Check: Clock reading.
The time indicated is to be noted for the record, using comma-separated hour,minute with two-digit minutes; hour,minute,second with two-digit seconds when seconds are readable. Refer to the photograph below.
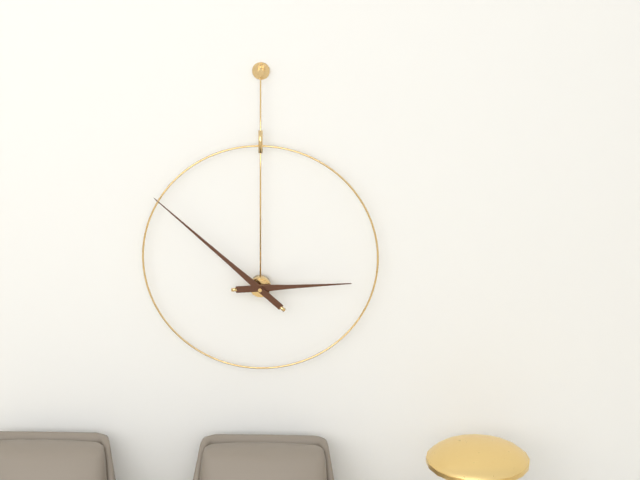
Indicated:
2,52
